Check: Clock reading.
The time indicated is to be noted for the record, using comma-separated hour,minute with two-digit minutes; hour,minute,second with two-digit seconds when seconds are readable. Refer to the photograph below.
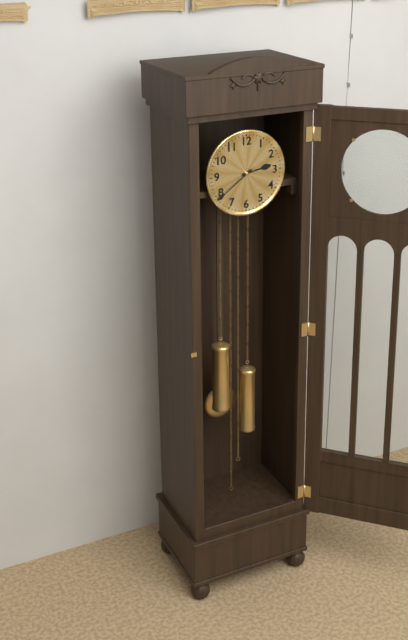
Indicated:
2,39
